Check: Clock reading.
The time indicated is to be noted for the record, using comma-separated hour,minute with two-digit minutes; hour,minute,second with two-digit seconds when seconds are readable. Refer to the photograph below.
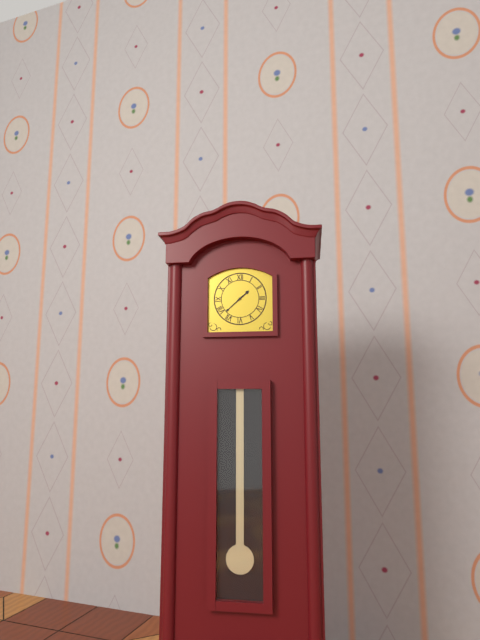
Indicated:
1,38
